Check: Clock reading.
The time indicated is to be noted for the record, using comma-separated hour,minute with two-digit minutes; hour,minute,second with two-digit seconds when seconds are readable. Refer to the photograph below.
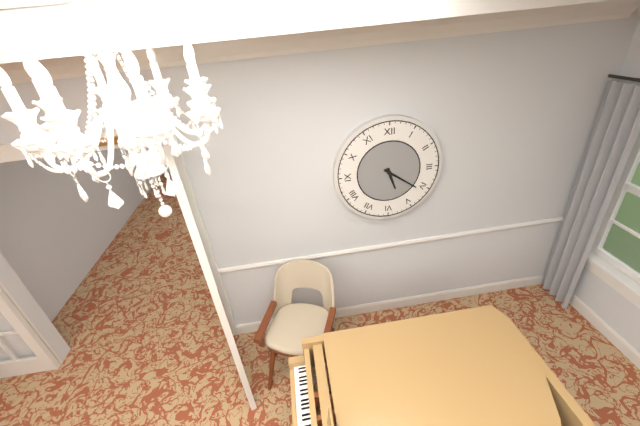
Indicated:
5,21
